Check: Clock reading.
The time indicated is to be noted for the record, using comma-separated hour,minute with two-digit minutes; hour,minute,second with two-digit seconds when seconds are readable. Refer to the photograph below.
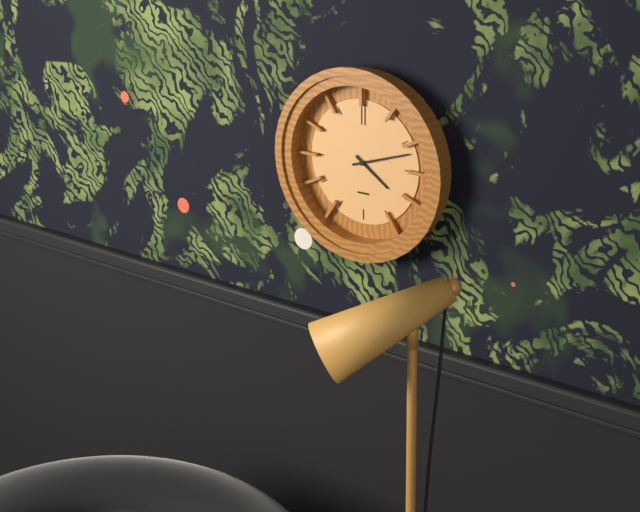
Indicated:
4,12
